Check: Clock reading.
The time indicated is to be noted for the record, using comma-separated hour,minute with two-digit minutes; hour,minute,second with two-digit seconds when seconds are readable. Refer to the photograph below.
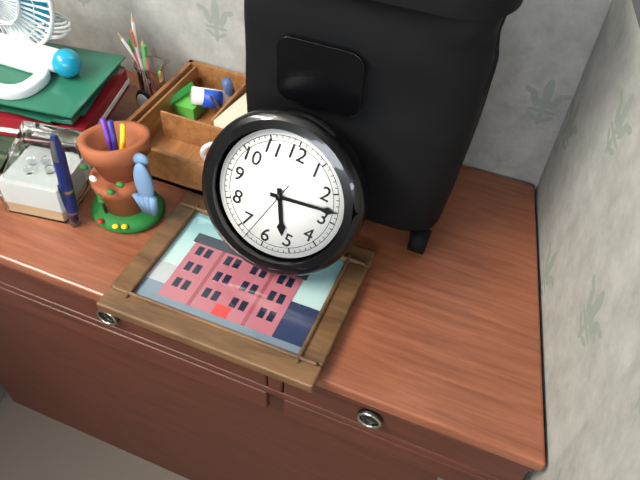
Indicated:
5,13,33
